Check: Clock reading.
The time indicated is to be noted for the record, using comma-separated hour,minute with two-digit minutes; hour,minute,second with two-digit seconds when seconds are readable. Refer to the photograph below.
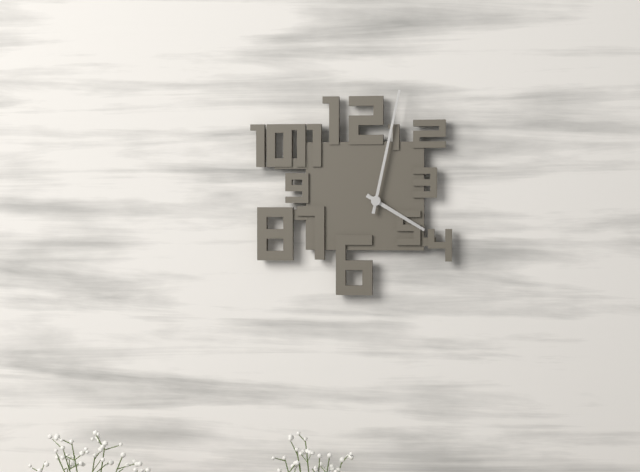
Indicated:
4,02
